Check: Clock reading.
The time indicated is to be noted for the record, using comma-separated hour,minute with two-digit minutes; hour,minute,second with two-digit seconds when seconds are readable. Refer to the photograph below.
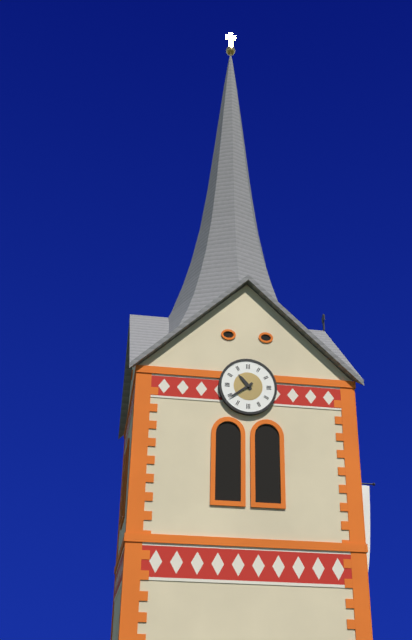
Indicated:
10,39
